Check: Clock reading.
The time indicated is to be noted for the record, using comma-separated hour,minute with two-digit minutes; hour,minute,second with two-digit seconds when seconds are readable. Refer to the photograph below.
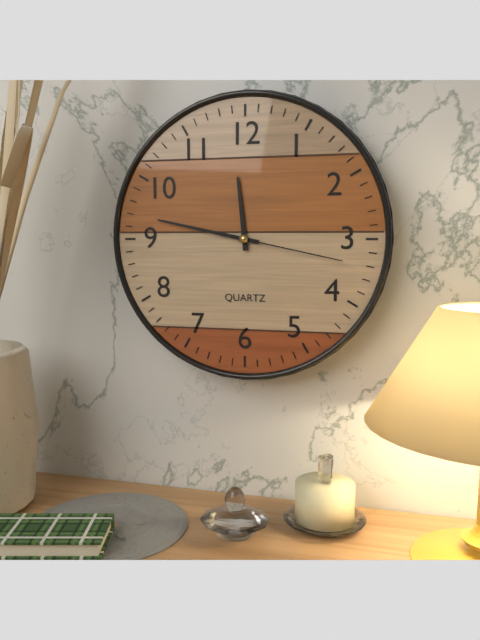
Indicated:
11,47,17
